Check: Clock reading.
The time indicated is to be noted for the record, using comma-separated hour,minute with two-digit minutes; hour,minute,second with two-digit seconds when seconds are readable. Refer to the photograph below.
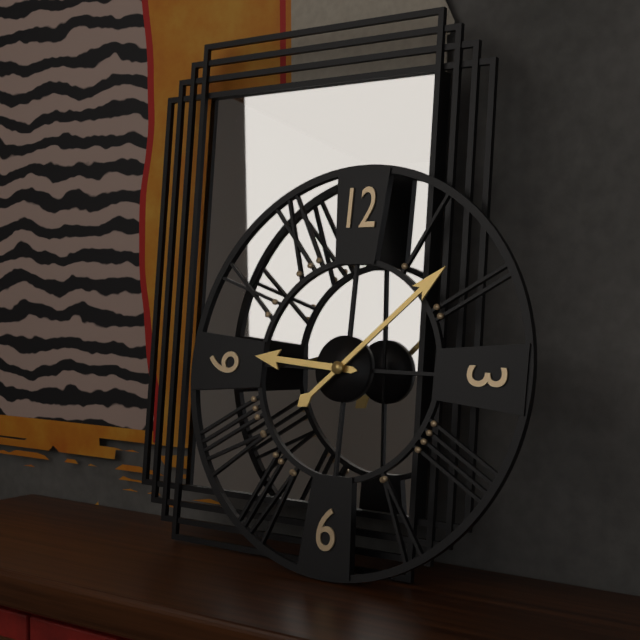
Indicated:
9,08
